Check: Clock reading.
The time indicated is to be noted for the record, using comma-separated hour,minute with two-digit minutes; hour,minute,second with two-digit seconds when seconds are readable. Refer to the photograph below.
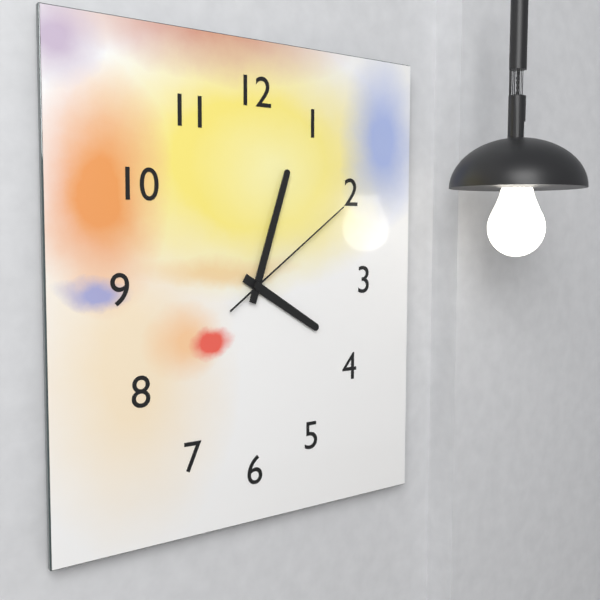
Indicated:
4,03,09
